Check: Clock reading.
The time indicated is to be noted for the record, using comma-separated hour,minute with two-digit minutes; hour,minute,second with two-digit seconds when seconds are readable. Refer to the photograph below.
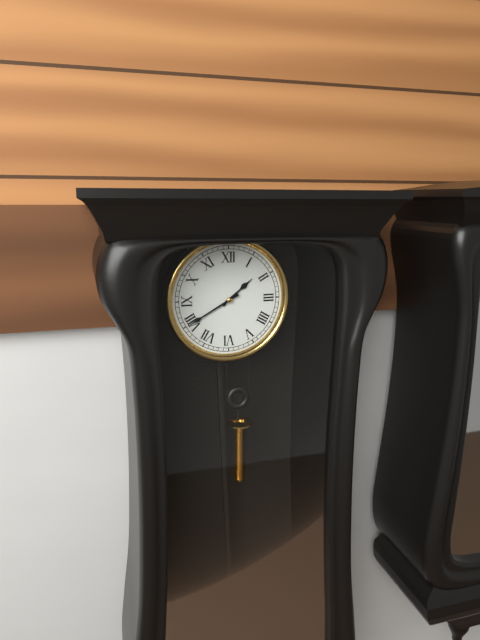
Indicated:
1,40
